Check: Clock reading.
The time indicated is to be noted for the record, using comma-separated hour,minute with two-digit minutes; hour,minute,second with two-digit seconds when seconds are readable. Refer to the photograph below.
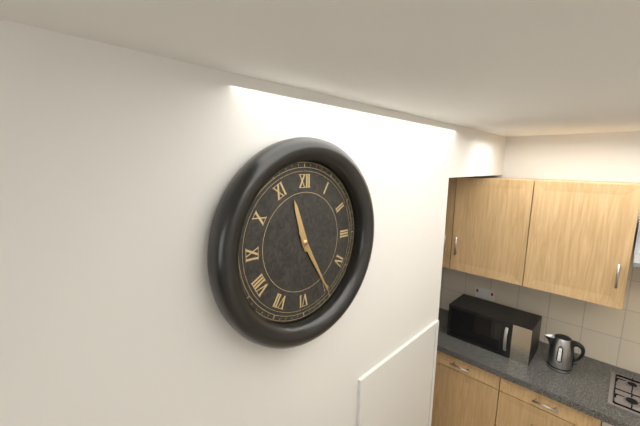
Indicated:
11,25
